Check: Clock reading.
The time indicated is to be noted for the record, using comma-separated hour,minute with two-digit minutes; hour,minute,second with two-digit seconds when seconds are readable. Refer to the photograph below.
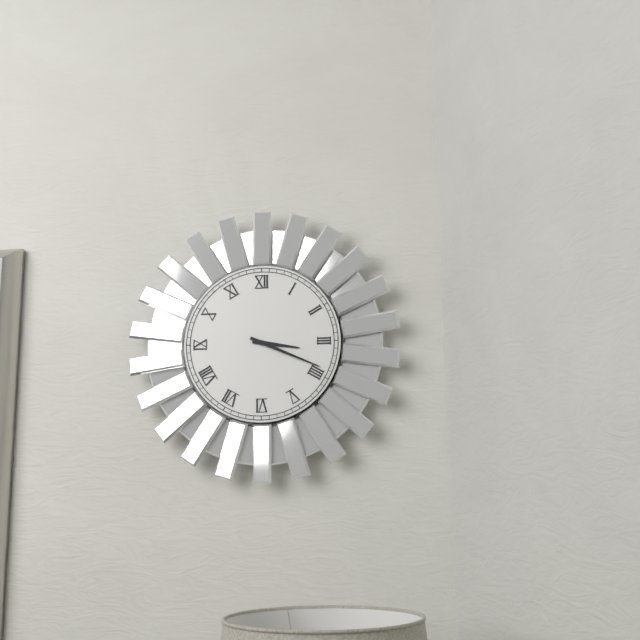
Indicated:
3,19
